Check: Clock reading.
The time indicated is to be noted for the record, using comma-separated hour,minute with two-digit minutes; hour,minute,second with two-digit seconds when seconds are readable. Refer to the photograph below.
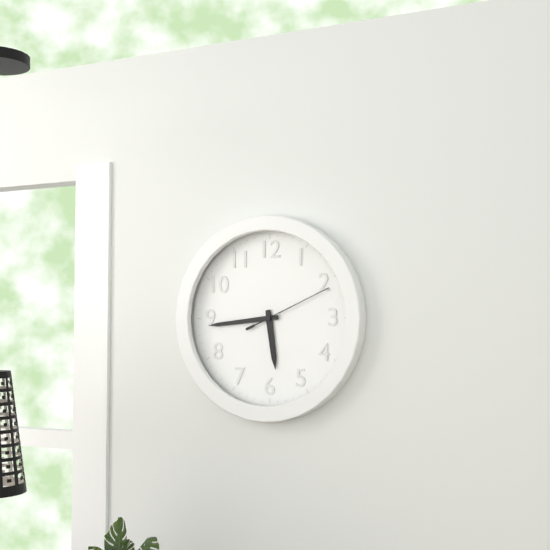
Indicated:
5,44,11
